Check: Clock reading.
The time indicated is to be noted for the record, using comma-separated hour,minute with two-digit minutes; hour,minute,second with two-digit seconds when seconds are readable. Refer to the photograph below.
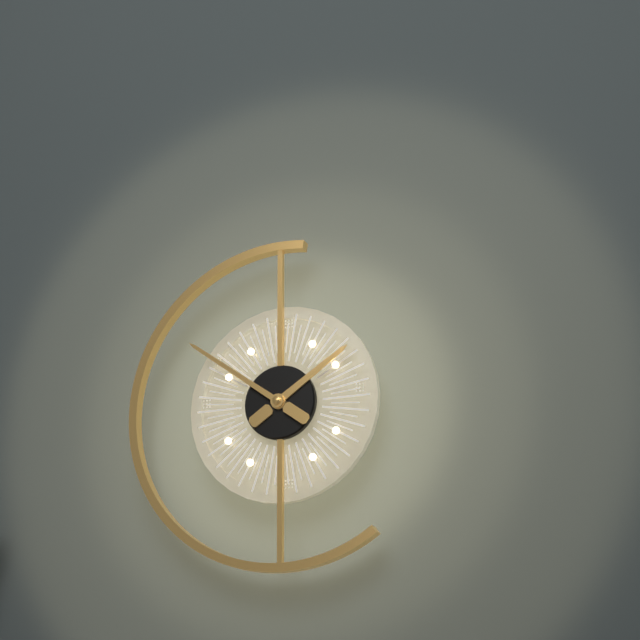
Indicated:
1,51
